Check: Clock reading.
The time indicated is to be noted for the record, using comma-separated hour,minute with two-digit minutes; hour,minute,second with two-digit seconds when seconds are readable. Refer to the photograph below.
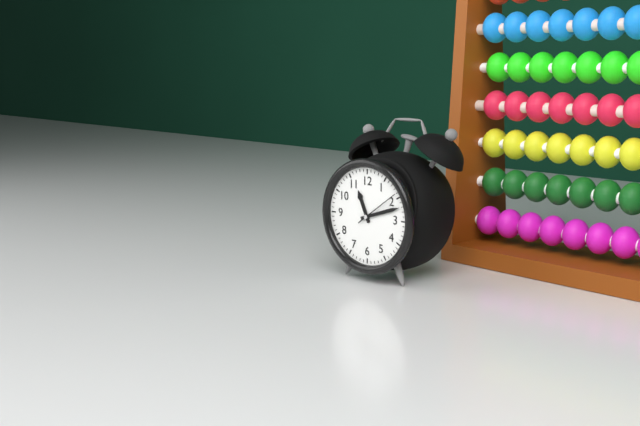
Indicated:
11,12
